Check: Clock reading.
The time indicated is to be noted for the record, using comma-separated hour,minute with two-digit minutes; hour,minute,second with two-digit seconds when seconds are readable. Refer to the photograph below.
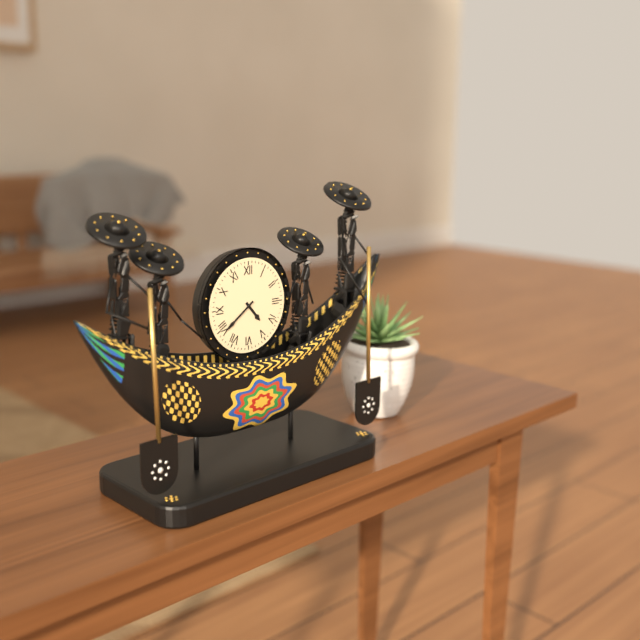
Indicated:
4,39
